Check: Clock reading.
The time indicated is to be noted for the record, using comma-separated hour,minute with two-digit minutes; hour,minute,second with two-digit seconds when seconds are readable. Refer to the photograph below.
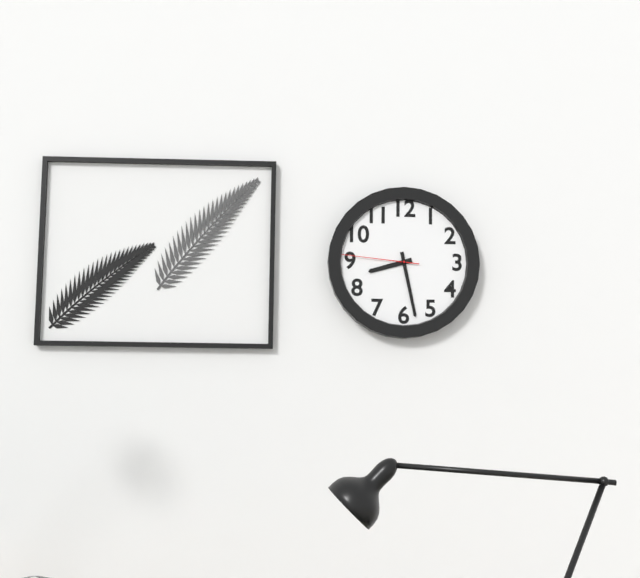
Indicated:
8,28,46
